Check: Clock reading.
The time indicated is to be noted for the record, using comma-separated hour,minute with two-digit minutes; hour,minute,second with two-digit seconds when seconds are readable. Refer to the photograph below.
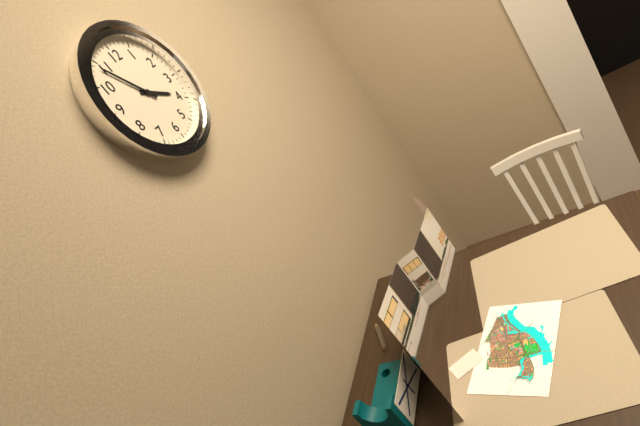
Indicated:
3,54
